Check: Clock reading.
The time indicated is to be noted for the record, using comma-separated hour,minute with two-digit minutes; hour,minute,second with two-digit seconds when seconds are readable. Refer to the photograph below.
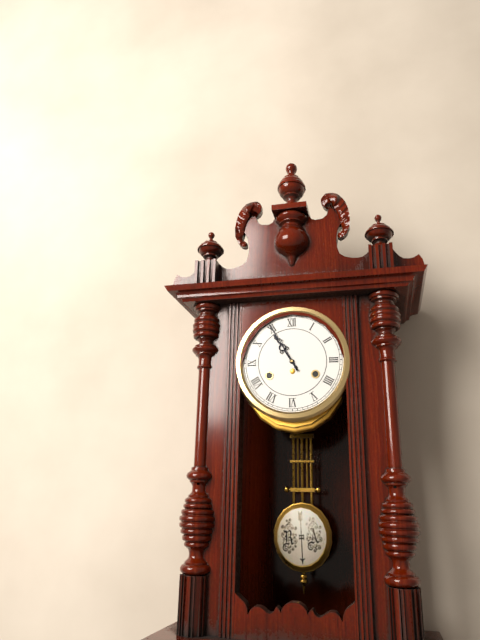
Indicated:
10,55
